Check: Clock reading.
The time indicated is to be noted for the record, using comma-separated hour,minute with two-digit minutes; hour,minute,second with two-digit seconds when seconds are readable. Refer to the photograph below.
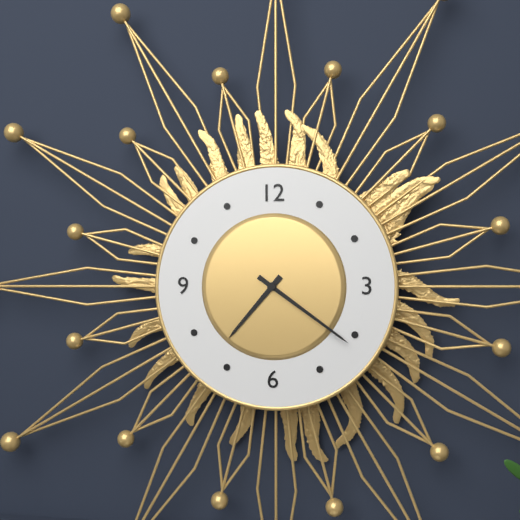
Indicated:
7,21
